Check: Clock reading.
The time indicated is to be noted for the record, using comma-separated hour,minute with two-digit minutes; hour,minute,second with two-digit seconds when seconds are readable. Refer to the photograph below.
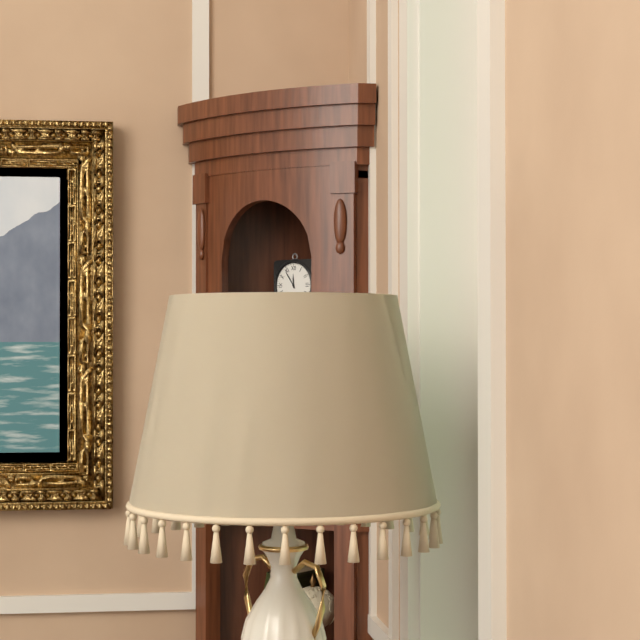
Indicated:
11,54
